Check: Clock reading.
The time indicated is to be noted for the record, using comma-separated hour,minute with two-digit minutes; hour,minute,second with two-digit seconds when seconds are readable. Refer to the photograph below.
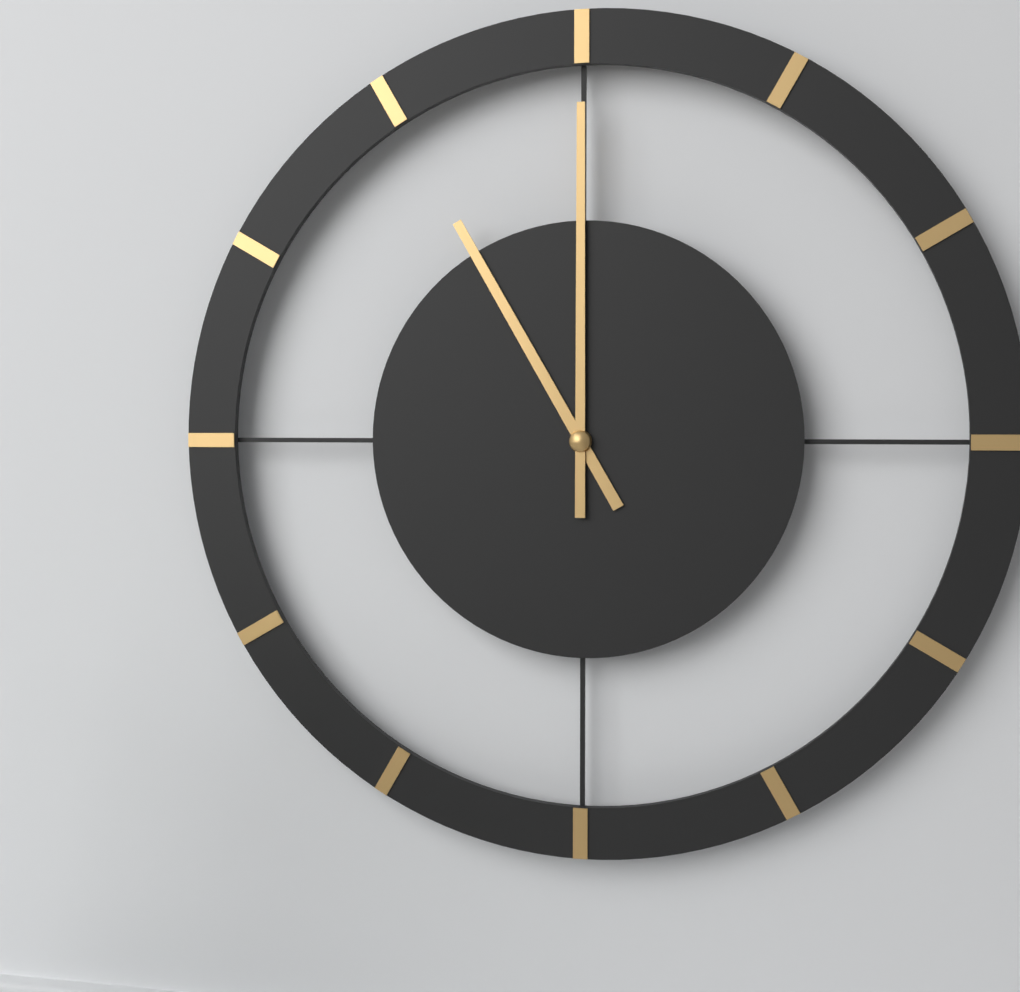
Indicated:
11,00
